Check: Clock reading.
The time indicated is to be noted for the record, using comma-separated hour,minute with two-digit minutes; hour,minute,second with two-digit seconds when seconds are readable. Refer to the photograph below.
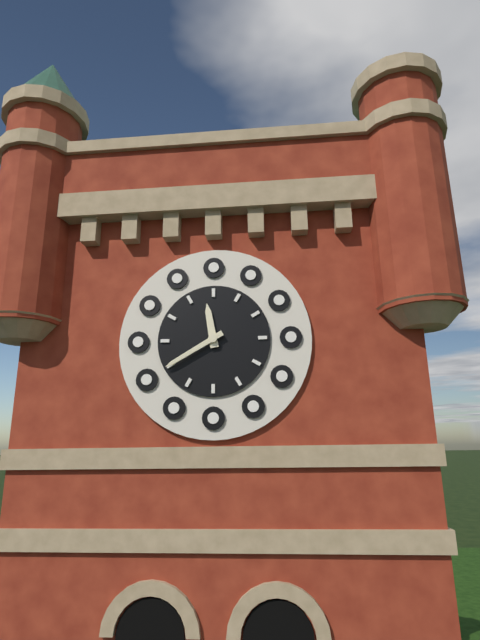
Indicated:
11,40
